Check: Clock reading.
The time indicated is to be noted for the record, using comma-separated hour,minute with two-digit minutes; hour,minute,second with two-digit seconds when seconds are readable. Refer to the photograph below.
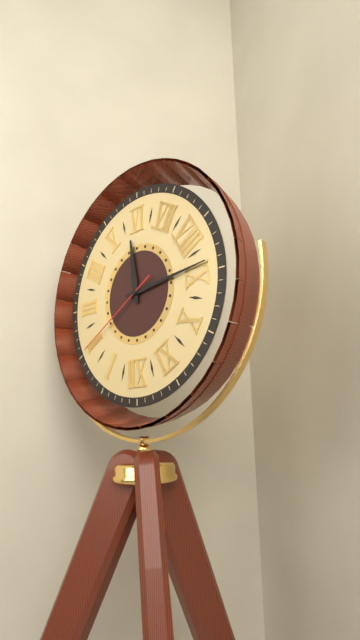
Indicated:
5,44,10
